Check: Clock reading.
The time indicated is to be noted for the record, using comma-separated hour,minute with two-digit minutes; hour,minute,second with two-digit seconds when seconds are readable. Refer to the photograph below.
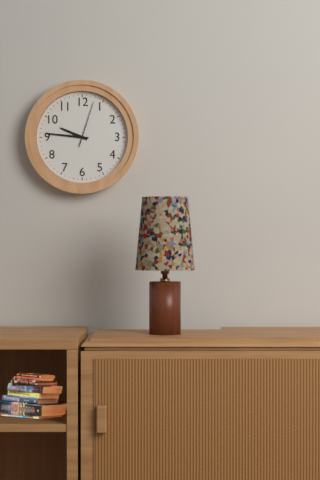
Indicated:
9,46
